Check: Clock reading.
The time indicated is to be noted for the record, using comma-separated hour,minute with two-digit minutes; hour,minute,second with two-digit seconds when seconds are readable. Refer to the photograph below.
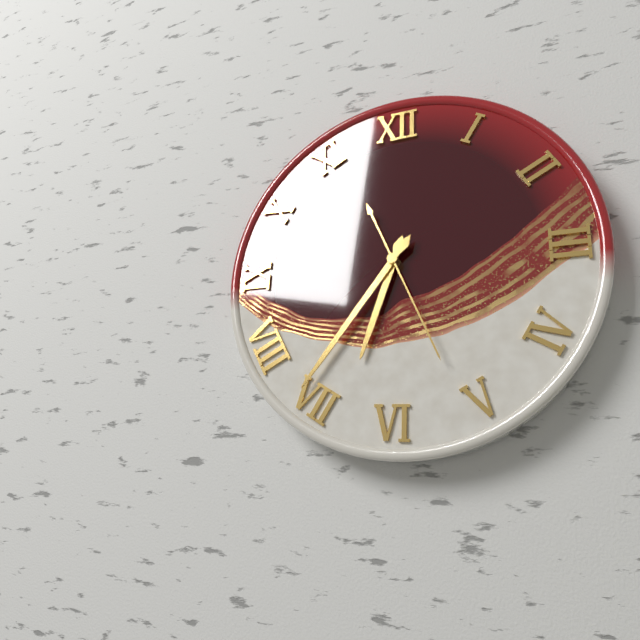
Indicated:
6,36,26
